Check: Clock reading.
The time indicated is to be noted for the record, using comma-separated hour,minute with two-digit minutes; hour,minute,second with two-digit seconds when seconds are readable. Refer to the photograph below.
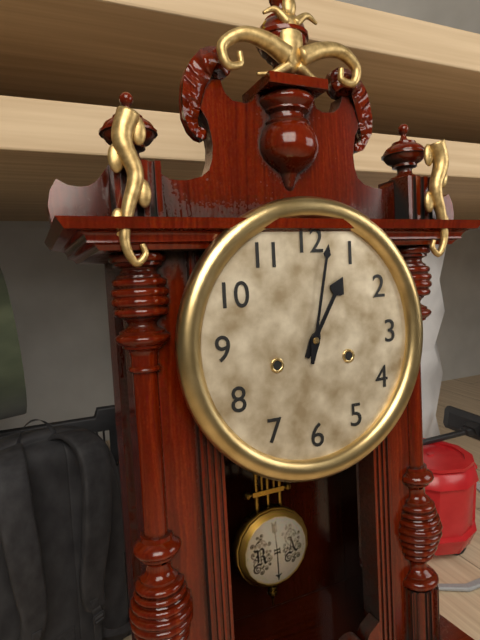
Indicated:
1,02
